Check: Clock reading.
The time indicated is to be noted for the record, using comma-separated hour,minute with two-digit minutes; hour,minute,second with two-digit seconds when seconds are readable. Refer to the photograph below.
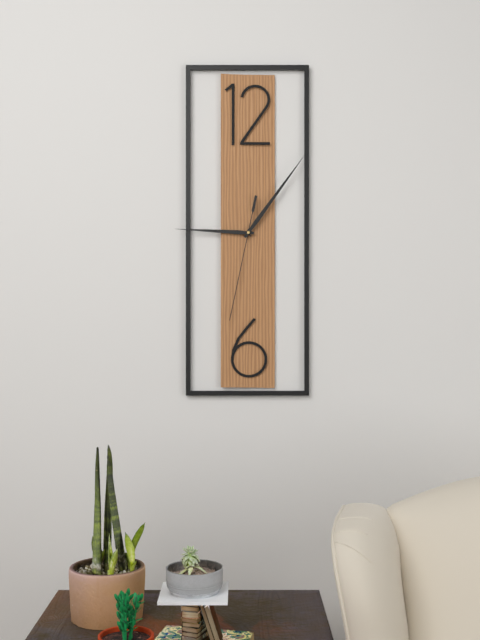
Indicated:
9,06,32
